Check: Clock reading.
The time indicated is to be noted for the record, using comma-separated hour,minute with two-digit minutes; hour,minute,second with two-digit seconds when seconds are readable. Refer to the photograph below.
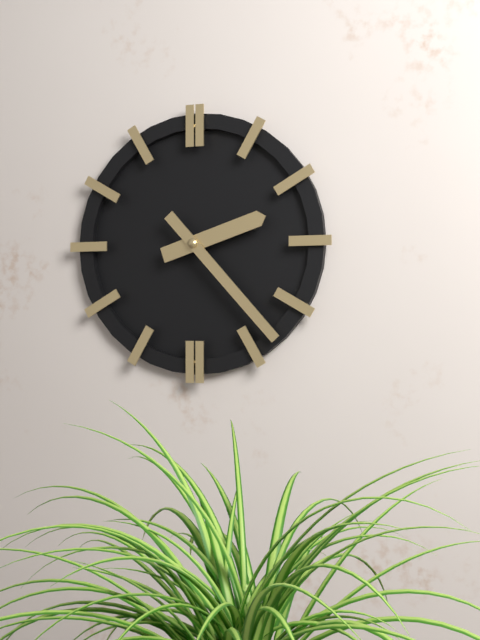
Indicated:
2,23
